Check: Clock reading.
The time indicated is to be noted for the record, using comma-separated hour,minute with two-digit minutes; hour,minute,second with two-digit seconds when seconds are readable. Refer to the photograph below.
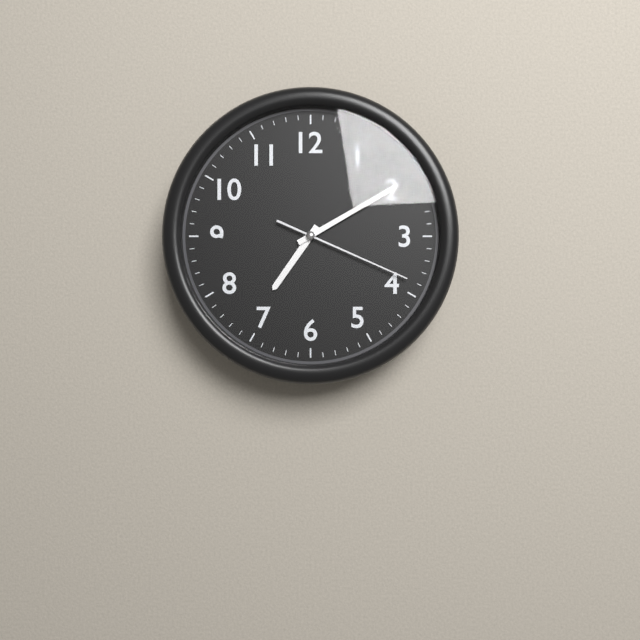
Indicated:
7,10,19
